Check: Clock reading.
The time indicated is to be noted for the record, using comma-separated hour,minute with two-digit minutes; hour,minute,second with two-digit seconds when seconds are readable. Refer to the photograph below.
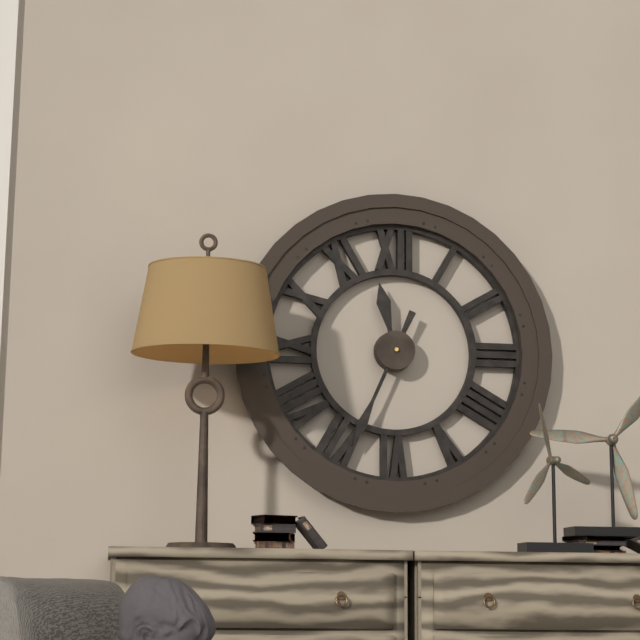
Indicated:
11,34
